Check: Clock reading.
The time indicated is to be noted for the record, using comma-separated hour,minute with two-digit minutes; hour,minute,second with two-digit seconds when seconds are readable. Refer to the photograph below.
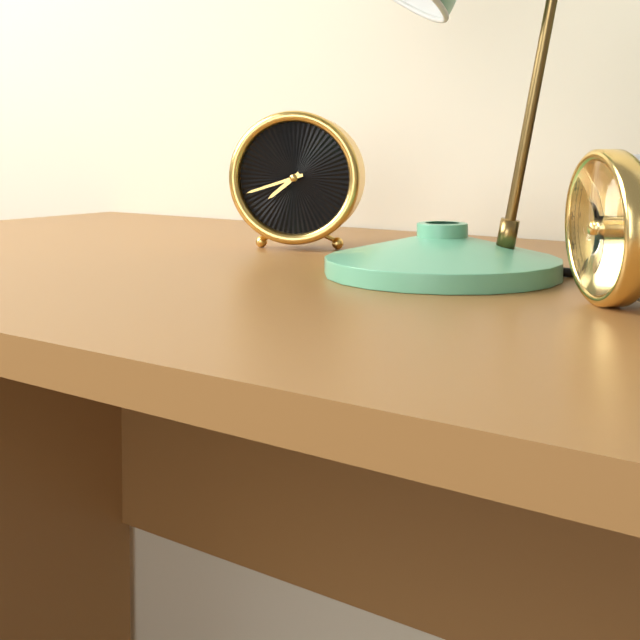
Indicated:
7,42
